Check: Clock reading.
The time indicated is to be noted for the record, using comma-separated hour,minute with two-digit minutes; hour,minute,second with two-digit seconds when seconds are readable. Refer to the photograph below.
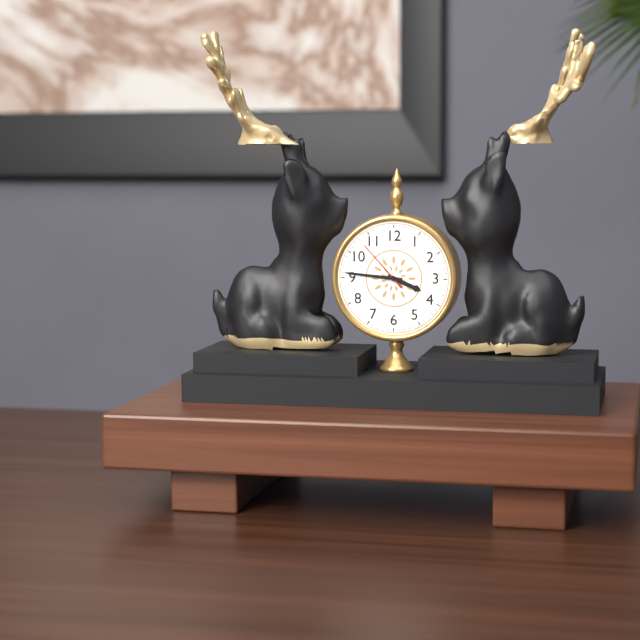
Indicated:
3,46,53
